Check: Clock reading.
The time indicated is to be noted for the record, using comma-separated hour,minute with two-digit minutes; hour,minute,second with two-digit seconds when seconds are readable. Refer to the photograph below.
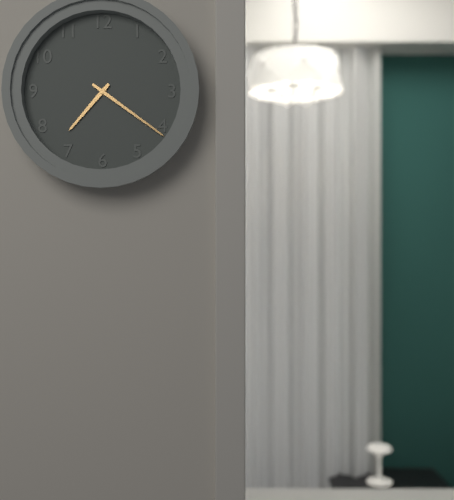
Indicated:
7,21
